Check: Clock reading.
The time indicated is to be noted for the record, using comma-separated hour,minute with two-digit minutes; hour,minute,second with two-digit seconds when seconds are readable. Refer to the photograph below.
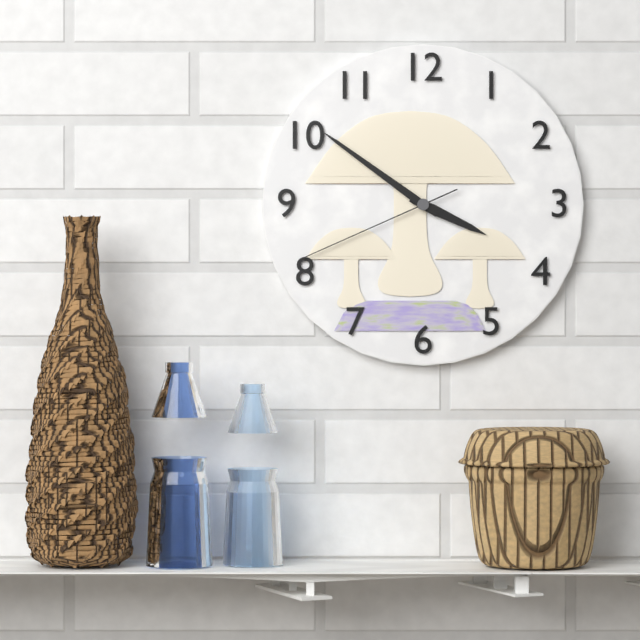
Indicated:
3,51,41
